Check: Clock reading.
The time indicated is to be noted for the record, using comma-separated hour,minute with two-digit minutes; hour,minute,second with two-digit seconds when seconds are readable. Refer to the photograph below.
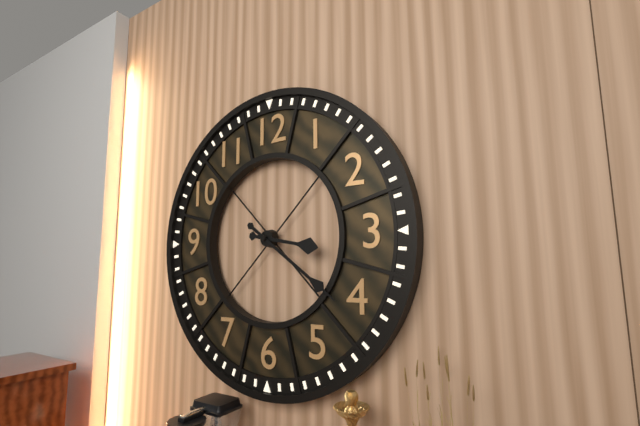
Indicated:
3,21
